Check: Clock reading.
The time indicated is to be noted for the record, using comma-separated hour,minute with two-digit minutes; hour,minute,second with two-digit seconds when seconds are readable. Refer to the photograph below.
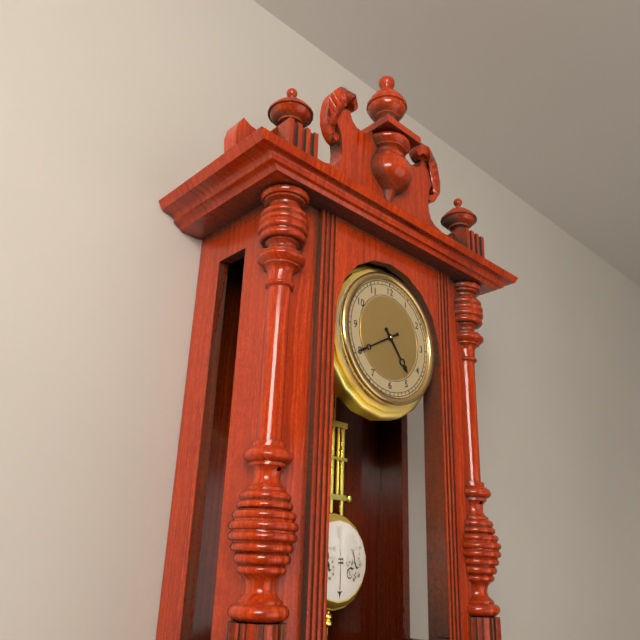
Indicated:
4,40
